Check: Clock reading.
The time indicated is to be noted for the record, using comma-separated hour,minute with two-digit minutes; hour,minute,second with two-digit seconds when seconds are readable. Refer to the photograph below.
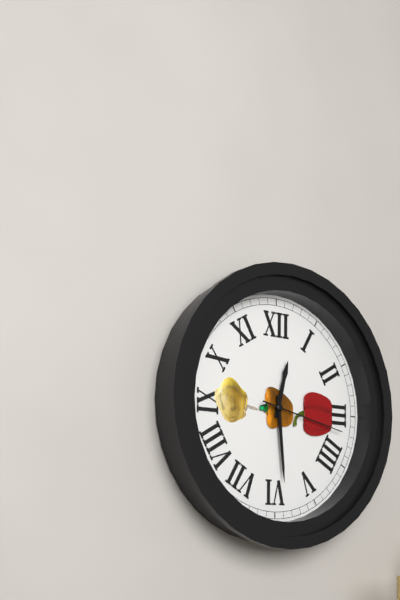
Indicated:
12,29,17
